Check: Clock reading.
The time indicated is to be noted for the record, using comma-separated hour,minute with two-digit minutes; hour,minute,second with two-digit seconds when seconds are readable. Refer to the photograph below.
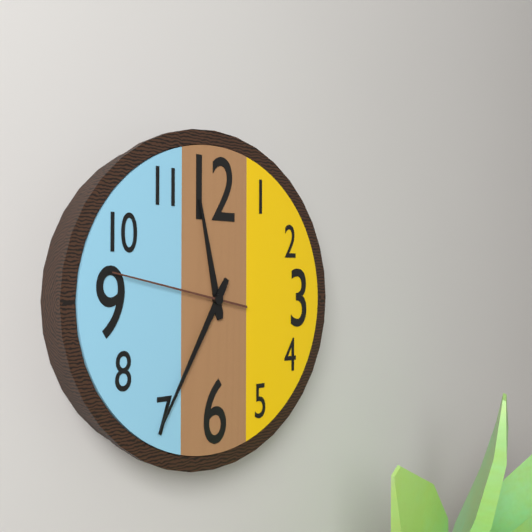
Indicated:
11,35,47
